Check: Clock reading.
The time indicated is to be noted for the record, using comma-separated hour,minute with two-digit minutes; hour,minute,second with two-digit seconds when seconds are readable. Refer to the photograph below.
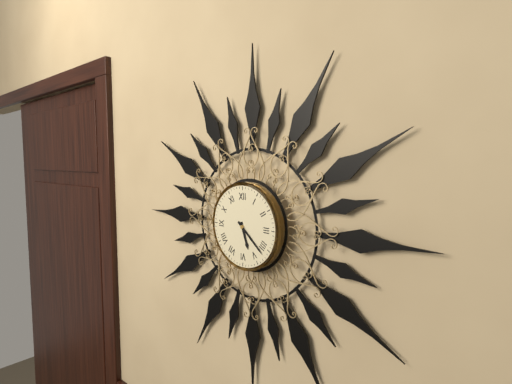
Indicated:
5,22
